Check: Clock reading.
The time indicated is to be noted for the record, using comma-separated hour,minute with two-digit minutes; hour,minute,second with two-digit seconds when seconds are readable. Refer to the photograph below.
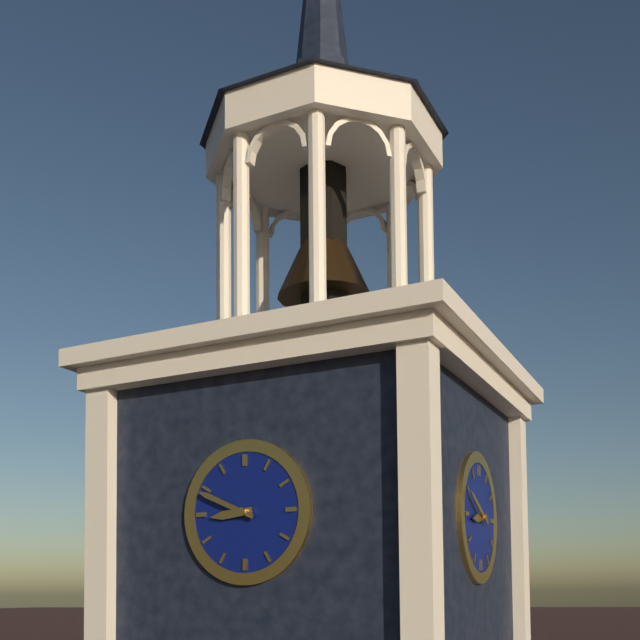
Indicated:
8,49
